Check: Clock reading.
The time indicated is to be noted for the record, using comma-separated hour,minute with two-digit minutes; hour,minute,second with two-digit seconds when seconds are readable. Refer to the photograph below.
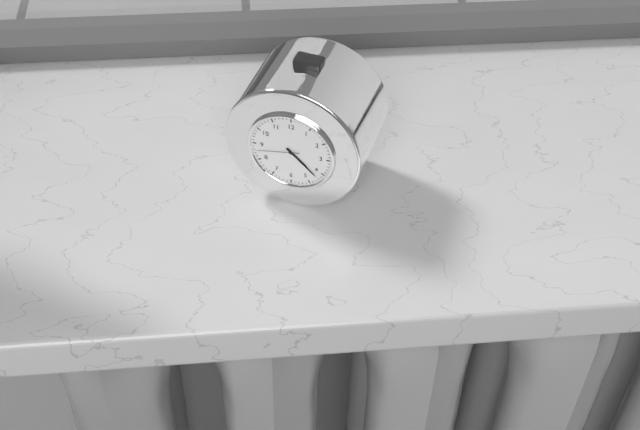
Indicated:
4,22
